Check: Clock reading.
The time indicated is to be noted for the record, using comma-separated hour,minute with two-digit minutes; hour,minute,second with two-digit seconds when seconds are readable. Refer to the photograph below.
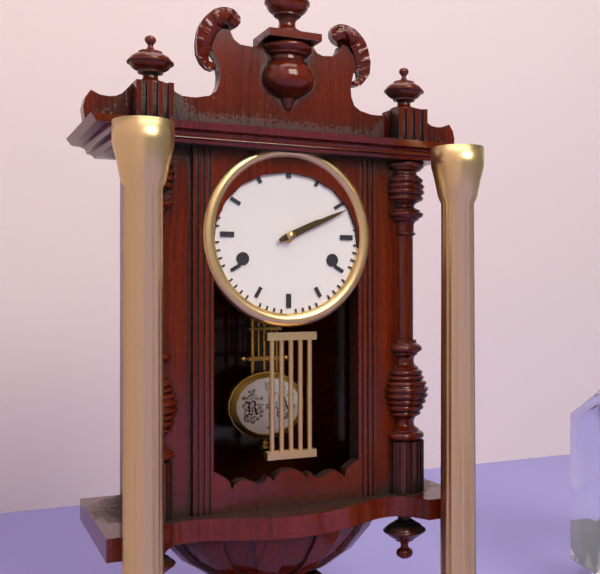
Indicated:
2,11
